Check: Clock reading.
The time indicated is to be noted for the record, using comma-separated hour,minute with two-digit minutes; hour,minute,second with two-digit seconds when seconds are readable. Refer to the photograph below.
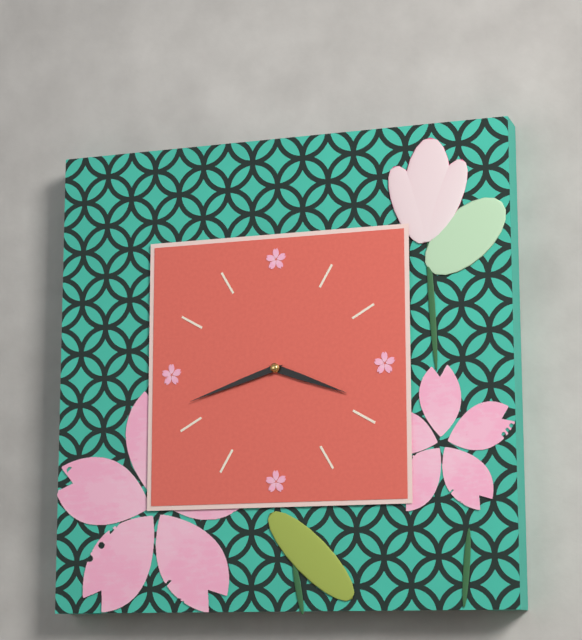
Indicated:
3,42
